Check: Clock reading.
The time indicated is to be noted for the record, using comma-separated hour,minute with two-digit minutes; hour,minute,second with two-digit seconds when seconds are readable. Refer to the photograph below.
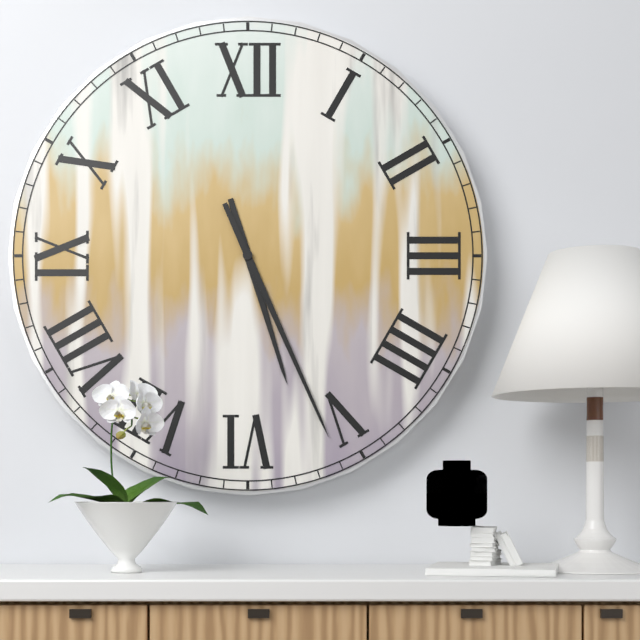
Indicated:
5,26
